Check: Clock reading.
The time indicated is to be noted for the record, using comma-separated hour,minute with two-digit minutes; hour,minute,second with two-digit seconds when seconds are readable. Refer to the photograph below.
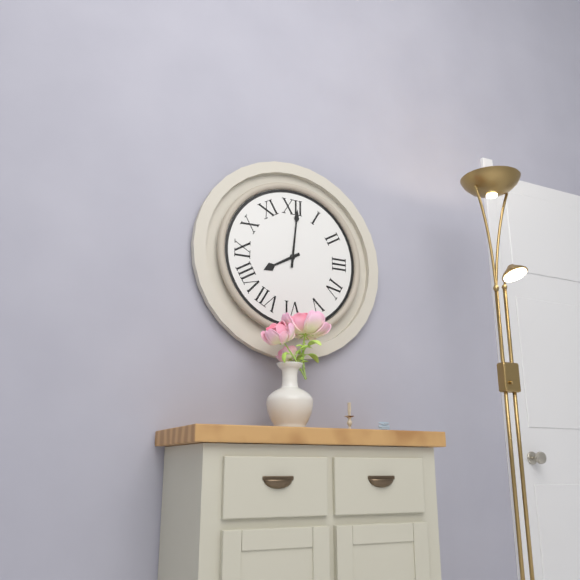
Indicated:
8,01
